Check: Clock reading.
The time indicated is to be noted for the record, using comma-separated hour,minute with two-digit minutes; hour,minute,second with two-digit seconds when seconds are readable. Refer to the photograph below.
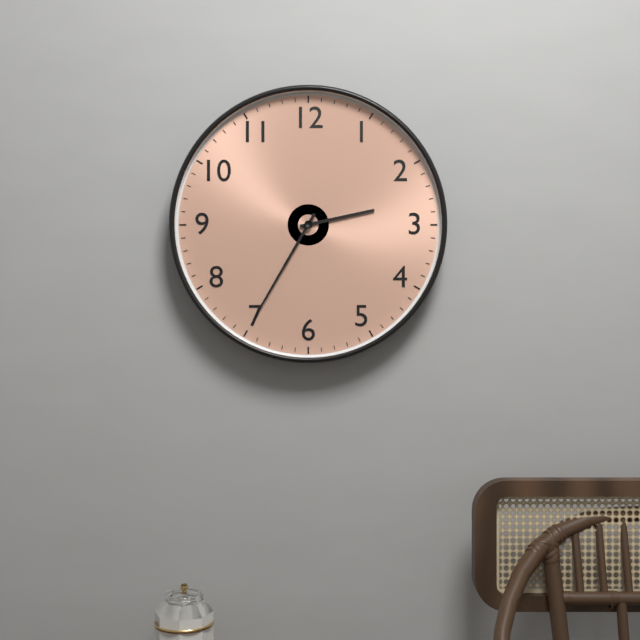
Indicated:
2,35
